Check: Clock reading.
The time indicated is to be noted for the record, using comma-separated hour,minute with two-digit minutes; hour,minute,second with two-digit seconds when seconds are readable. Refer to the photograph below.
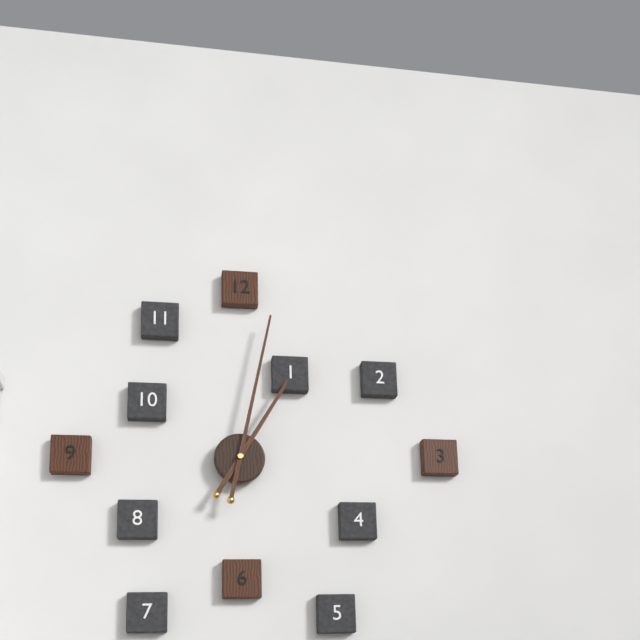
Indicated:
1,02
